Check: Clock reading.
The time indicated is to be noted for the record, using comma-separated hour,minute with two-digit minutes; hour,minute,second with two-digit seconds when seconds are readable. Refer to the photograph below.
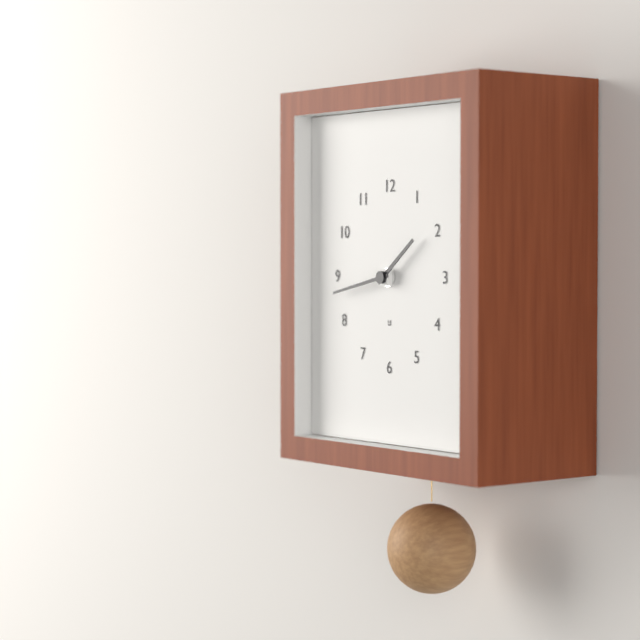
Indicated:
1,43
